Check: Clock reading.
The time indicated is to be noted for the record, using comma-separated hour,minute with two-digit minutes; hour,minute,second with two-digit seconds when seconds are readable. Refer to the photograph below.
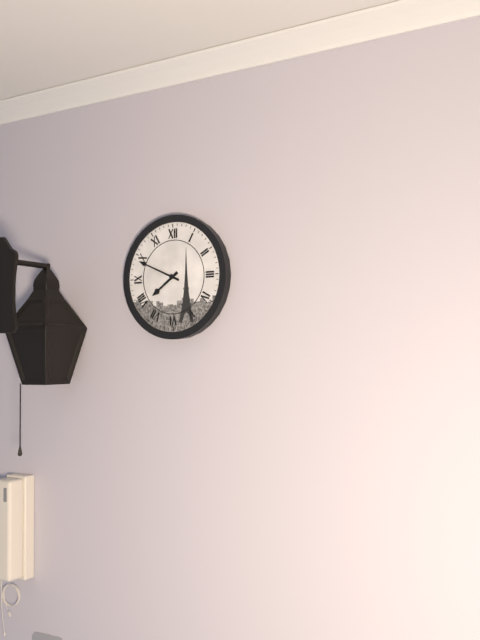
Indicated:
7,49
